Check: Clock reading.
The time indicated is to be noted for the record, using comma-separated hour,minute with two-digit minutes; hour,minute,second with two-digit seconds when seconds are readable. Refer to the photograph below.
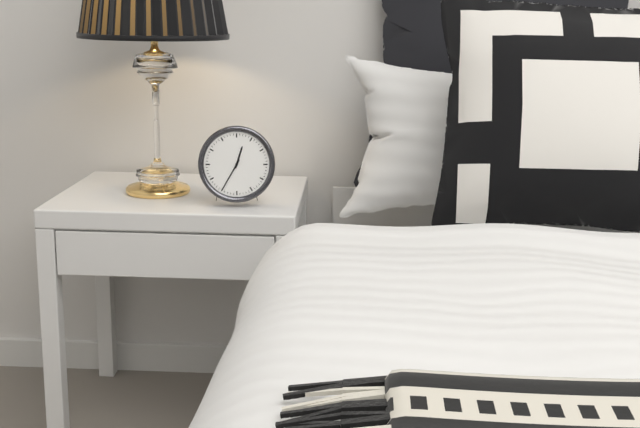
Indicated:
12,35
